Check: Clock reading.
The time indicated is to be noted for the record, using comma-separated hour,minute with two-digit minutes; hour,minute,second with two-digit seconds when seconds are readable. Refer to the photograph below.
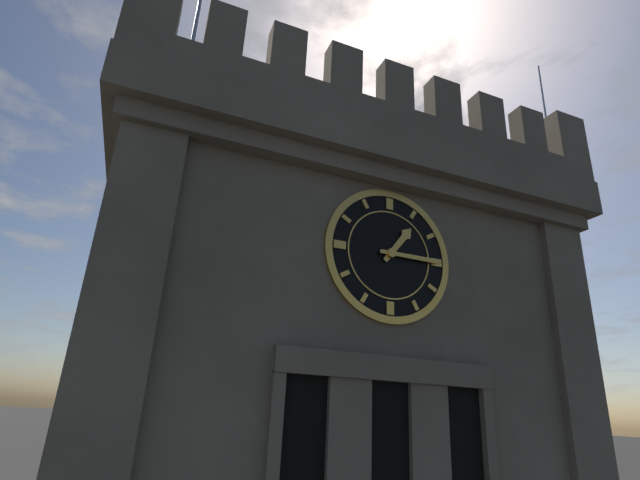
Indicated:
1,15
